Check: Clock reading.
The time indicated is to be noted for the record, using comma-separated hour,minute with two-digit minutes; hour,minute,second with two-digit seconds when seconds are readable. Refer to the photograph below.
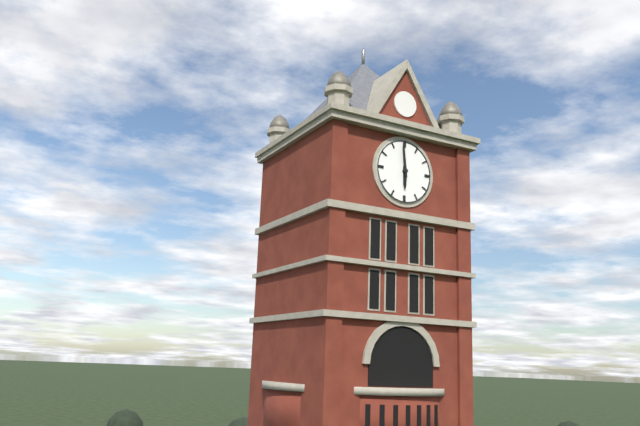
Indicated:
5,59
